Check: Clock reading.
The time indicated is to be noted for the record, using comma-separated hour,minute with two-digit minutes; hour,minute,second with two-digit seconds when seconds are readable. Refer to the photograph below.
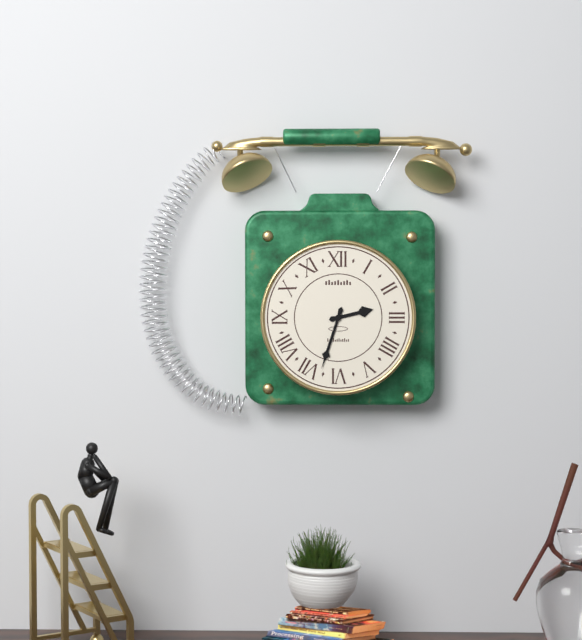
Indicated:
2,33
